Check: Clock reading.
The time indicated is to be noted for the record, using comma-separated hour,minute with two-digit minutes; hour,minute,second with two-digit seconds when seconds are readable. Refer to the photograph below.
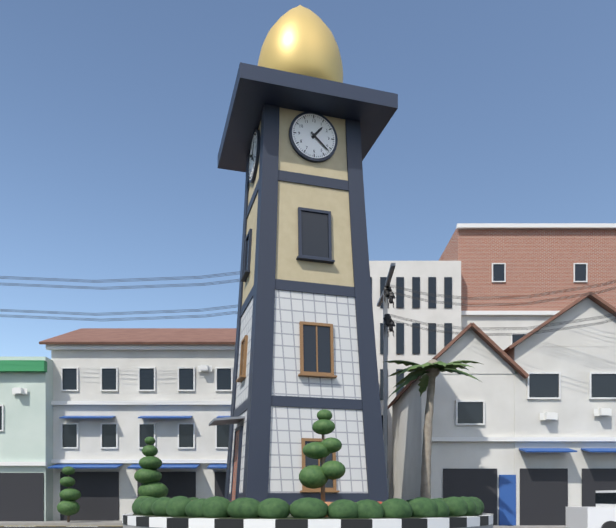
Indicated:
1,22
